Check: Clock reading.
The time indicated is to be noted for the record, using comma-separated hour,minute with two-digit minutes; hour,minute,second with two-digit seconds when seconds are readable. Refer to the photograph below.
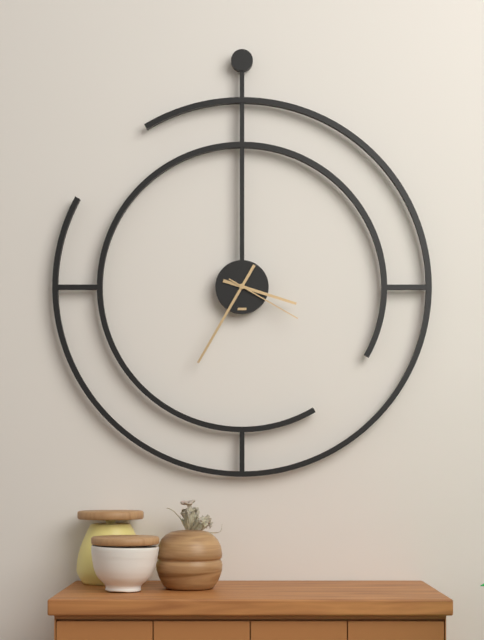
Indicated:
3,35,20
